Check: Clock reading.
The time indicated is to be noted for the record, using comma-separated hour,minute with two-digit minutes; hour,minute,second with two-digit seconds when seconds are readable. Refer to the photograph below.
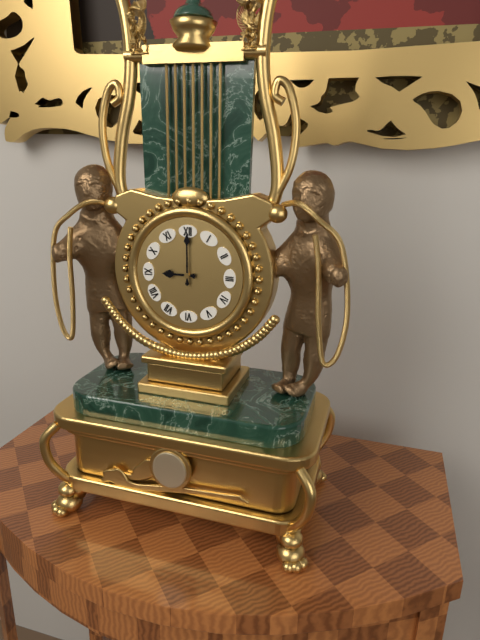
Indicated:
9,00
